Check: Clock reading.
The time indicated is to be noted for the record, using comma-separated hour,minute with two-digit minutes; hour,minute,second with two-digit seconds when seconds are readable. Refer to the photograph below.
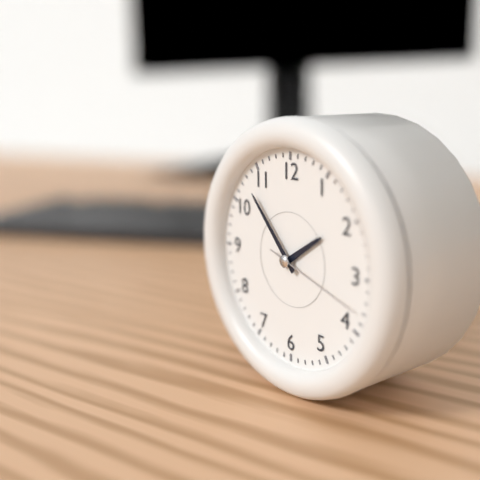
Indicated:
1,53,18
